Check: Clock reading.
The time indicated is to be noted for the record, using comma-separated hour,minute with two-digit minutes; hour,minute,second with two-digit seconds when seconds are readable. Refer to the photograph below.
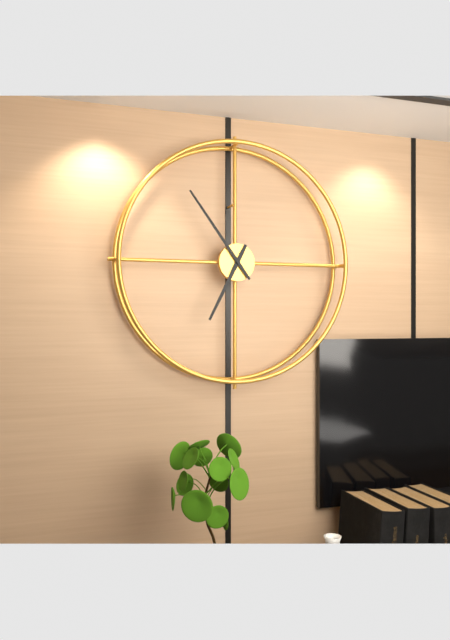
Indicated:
6,54
